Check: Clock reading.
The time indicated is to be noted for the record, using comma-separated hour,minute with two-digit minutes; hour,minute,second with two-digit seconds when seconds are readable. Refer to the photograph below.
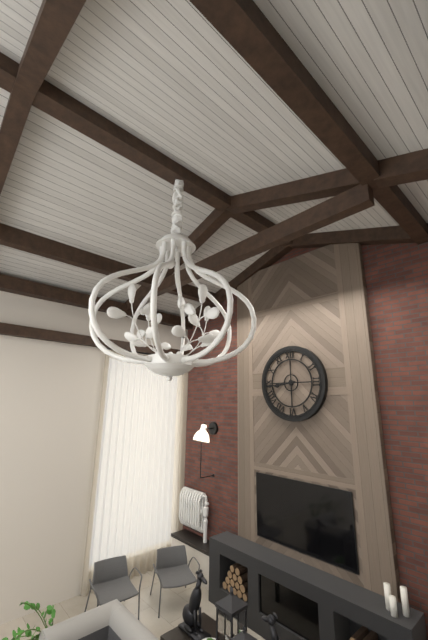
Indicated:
8,44
